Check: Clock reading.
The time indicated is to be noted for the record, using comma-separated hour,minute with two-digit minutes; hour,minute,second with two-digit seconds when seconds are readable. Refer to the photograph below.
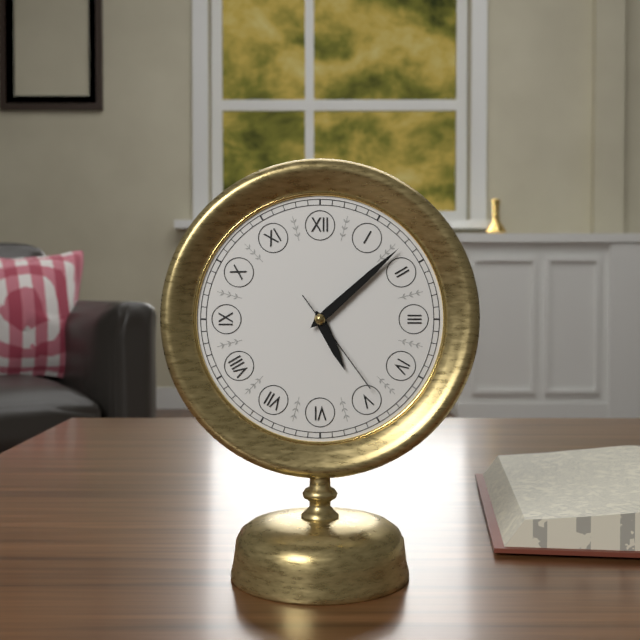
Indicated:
5,08,24
